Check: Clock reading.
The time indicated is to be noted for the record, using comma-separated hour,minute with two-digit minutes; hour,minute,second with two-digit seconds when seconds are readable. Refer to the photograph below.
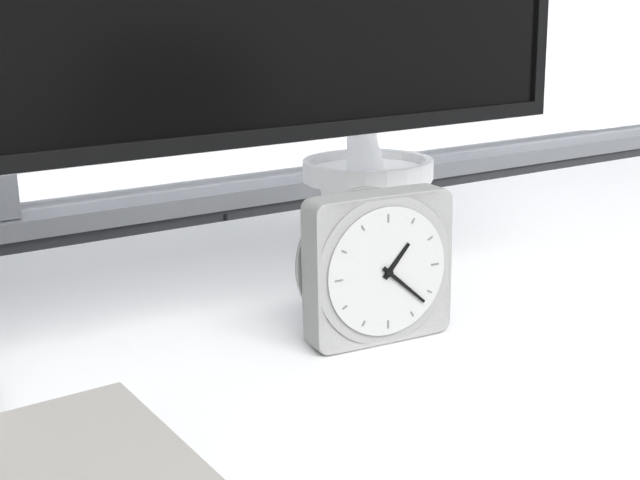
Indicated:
1,22
